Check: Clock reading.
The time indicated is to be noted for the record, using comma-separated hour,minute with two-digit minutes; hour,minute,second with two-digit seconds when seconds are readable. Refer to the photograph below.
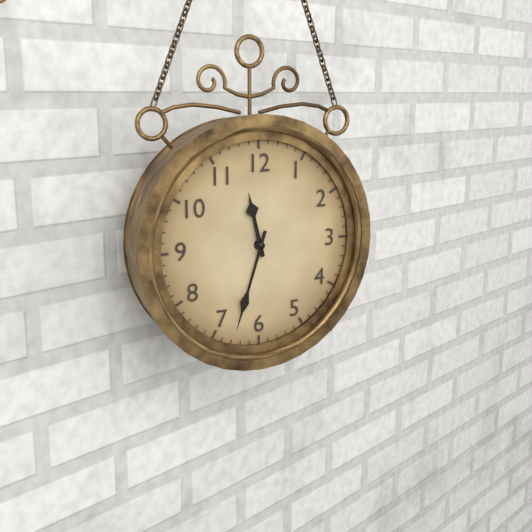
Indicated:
11,33
